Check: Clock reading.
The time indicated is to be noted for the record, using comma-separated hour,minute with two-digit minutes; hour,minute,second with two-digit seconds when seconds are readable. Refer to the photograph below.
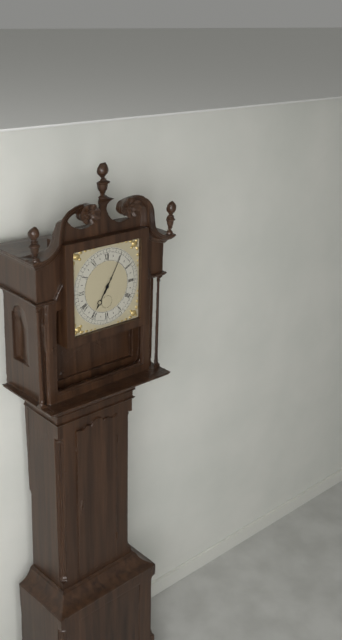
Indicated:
7,05
